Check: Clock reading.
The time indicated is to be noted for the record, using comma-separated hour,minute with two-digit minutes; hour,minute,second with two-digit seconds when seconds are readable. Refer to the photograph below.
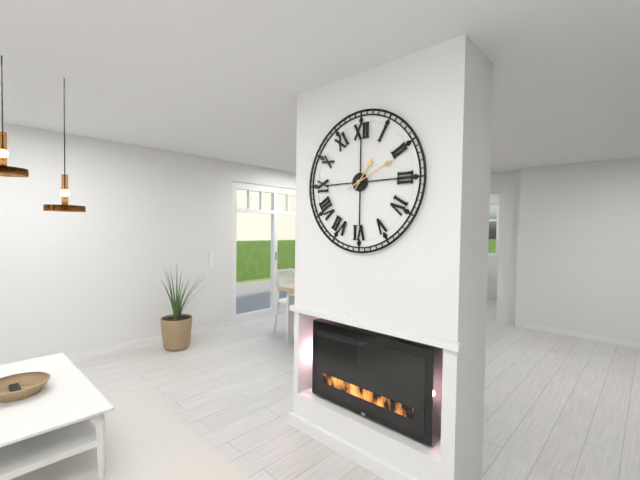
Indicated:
1,11
